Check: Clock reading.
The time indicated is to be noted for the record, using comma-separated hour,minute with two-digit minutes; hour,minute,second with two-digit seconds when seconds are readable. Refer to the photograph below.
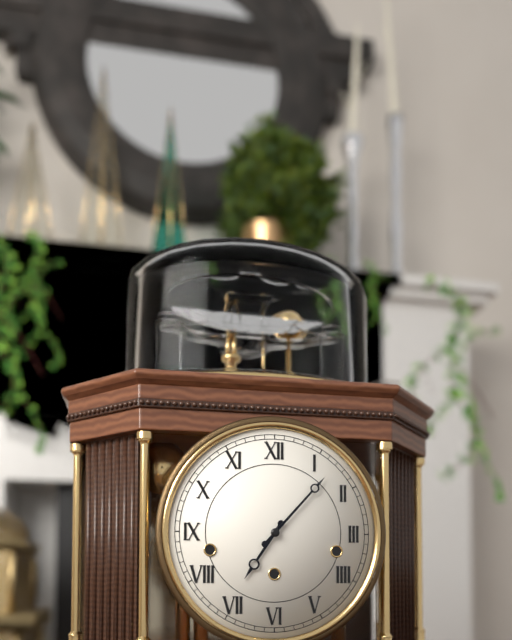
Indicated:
7,07
